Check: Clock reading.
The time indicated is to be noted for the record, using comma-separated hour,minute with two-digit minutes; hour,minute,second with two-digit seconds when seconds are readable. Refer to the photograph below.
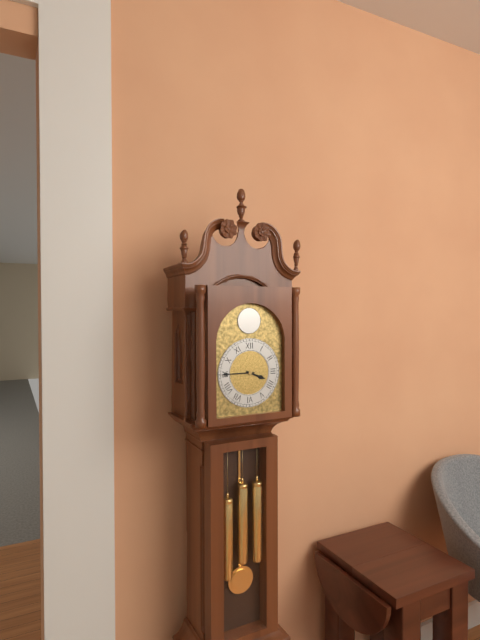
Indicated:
3,45
